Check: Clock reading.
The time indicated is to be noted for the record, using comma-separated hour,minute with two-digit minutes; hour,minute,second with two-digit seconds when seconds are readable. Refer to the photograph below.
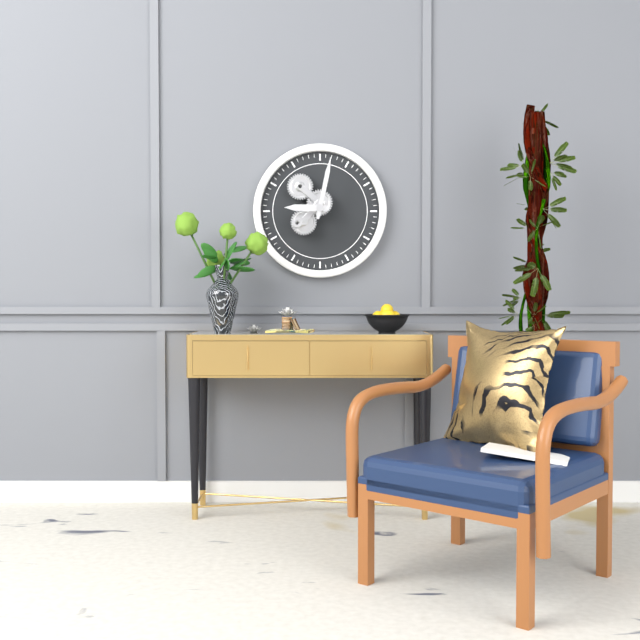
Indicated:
9,02
